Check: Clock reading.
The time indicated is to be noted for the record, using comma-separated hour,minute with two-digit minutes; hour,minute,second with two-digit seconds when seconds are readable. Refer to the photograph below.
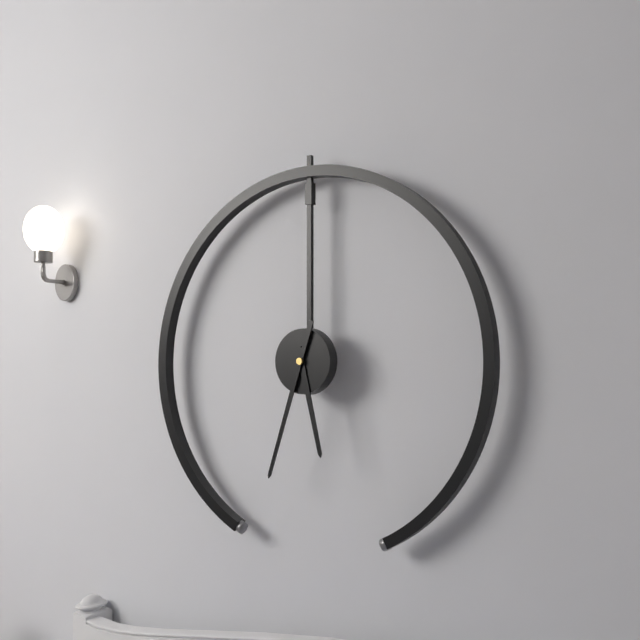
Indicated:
5,33
